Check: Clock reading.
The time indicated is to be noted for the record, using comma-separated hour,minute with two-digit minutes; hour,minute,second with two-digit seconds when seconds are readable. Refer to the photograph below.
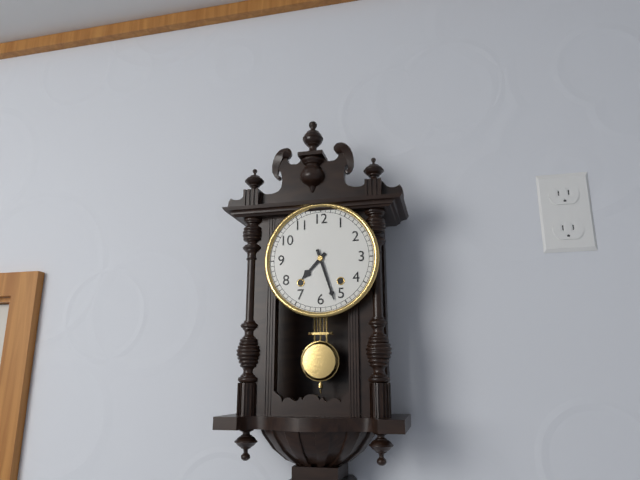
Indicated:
7,27
